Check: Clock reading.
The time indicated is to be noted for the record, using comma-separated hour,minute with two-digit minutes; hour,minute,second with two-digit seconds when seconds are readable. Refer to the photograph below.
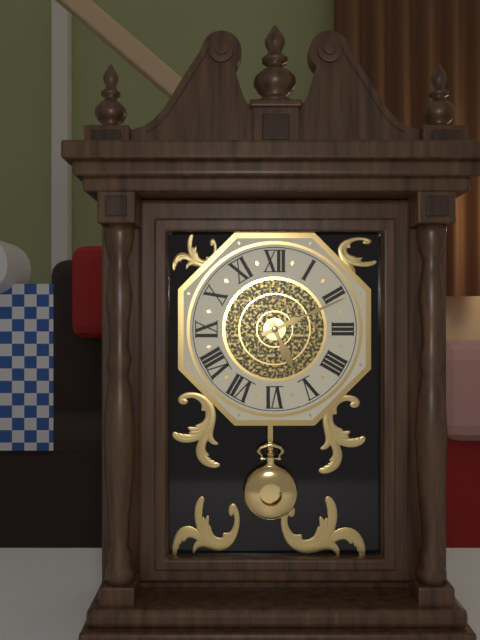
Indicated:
5,11
